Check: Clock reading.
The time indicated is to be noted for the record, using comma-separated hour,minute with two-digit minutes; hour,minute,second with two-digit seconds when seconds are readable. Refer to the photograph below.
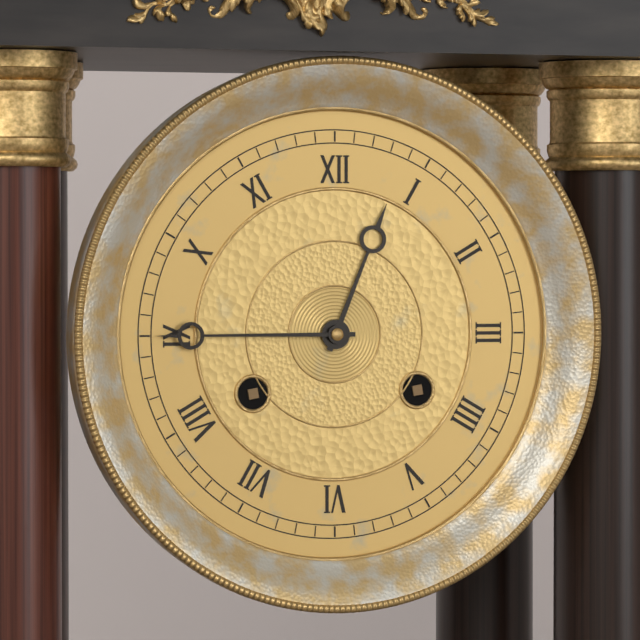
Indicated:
12,45
